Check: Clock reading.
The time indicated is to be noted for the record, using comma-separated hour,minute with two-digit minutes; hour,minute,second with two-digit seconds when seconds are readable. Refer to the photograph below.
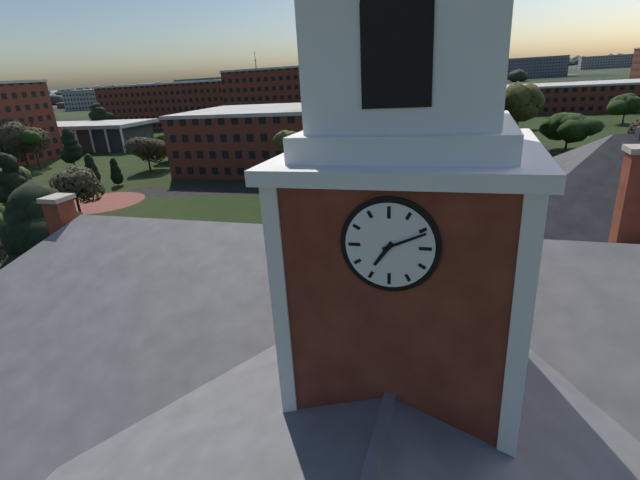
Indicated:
7,11
